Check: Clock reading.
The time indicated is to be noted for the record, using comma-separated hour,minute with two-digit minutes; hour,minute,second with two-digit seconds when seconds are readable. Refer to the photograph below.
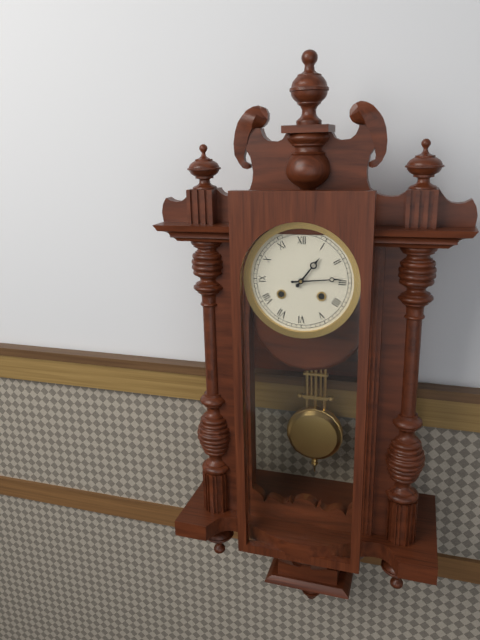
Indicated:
1,14
